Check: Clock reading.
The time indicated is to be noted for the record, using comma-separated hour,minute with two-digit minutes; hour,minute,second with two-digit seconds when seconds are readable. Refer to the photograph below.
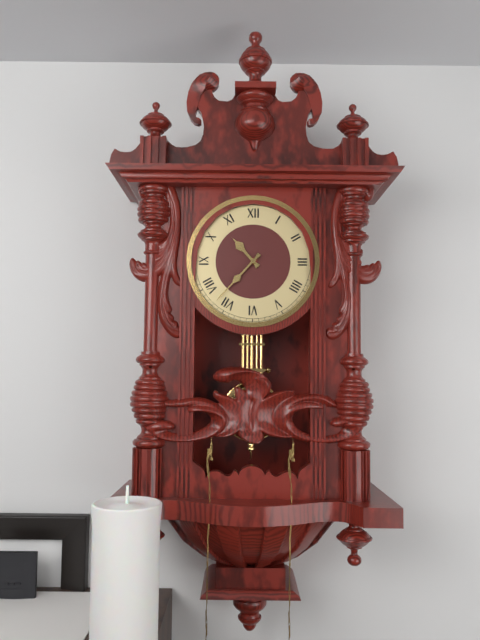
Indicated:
10,37
